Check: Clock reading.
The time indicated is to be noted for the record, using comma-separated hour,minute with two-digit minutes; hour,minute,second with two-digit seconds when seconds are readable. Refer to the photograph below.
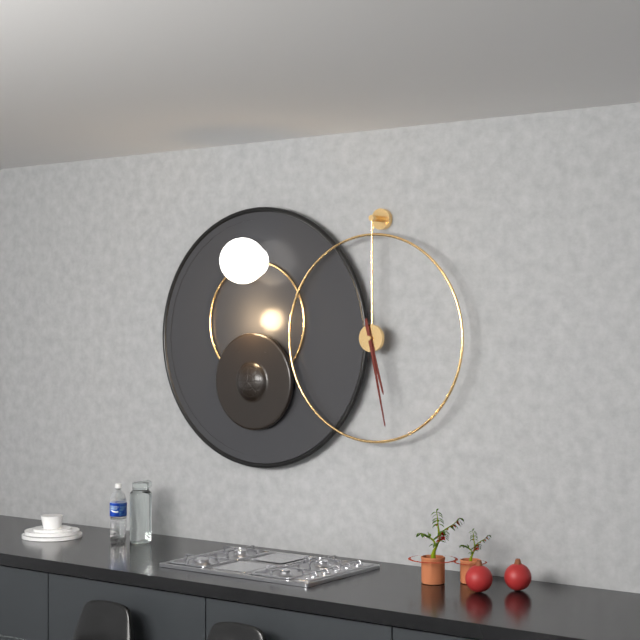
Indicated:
5,28
